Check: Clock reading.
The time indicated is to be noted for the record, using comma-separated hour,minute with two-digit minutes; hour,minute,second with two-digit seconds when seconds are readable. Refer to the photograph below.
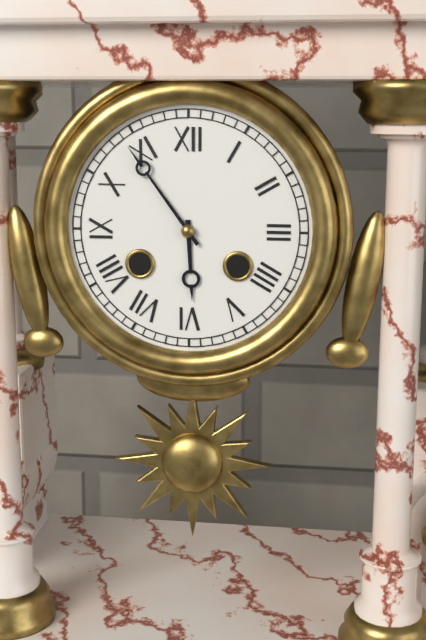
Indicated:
5,54
